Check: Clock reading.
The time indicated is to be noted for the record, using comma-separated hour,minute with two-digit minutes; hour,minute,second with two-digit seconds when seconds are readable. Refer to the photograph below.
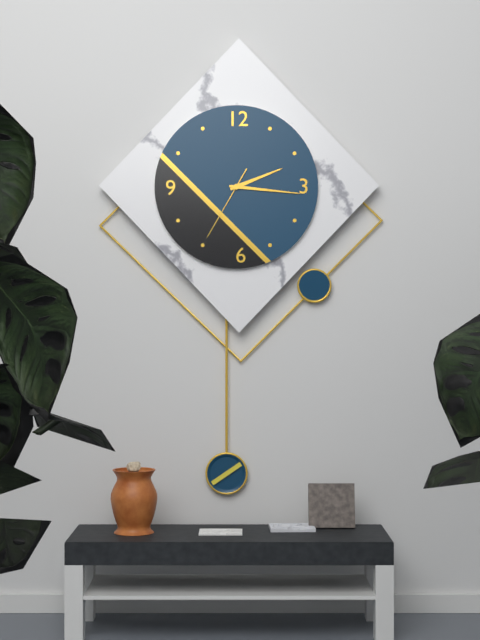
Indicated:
2,16,35
